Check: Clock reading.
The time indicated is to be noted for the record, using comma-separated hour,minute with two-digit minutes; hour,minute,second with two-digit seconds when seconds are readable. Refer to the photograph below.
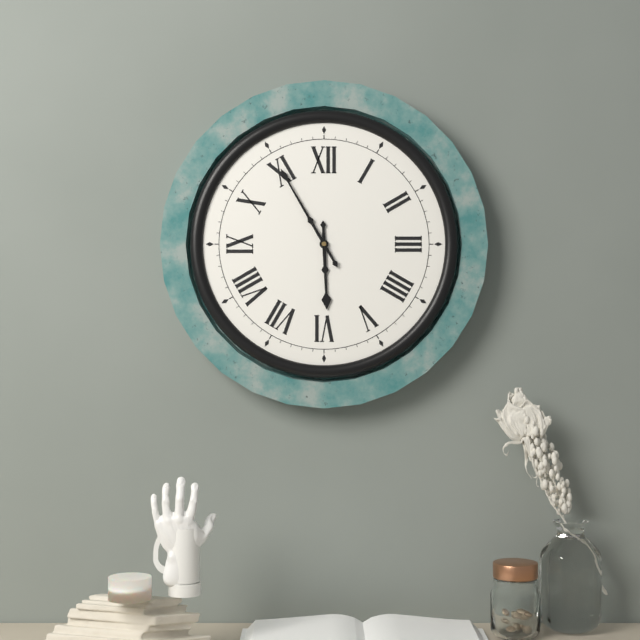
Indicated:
5,55
